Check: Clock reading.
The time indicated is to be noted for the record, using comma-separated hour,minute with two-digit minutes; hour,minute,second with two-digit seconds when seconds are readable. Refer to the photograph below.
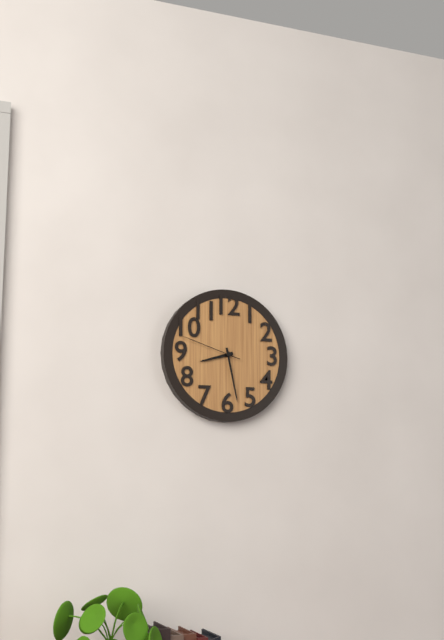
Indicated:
8,28,48
